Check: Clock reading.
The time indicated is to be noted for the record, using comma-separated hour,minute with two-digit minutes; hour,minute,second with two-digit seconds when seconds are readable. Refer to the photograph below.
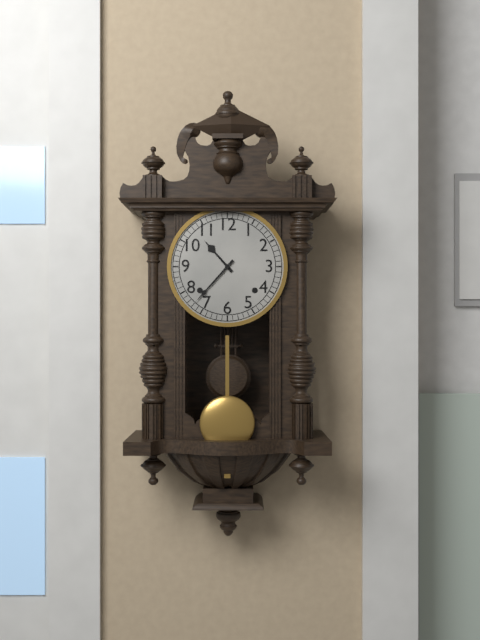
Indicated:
10,37
